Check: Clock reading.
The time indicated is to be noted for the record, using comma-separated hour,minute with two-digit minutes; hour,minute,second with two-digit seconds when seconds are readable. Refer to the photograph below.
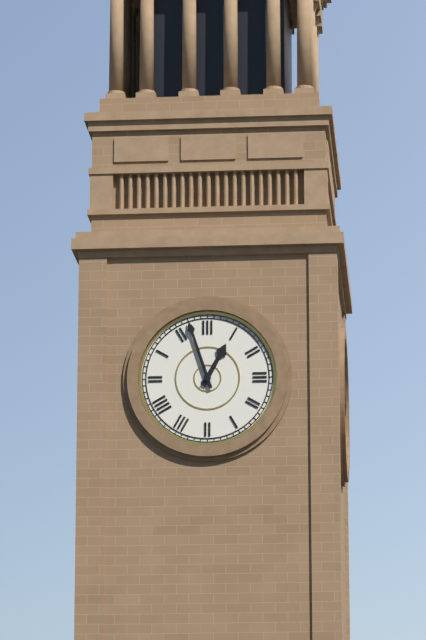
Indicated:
12,57
